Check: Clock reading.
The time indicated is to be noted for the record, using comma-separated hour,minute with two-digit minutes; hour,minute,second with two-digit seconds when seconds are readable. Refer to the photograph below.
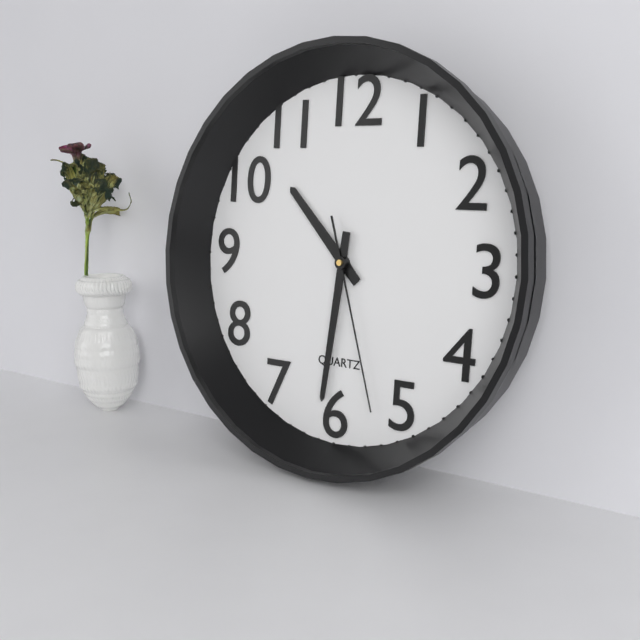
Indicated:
10,31,27
